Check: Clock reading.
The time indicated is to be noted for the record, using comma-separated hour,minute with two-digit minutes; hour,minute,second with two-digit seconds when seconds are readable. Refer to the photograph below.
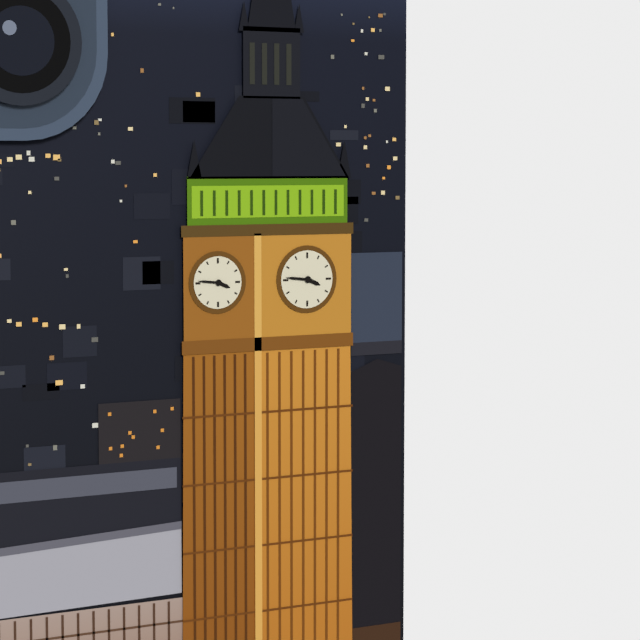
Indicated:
3,46
